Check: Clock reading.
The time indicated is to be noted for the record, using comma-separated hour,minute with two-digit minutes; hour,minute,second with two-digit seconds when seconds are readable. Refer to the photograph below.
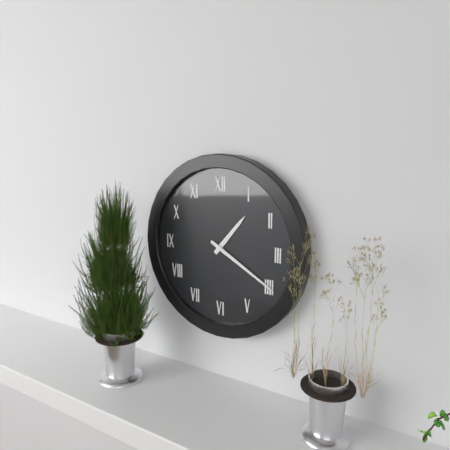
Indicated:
1,20
